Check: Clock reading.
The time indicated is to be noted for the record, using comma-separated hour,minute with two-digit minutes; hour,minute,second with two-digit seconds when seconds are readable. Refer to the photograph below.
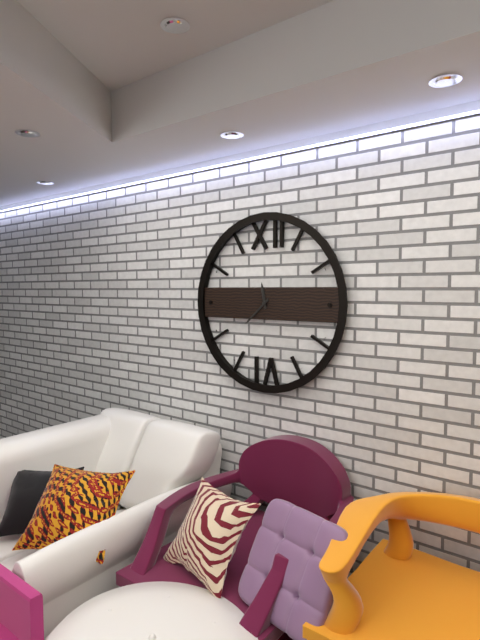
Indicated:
11,38
